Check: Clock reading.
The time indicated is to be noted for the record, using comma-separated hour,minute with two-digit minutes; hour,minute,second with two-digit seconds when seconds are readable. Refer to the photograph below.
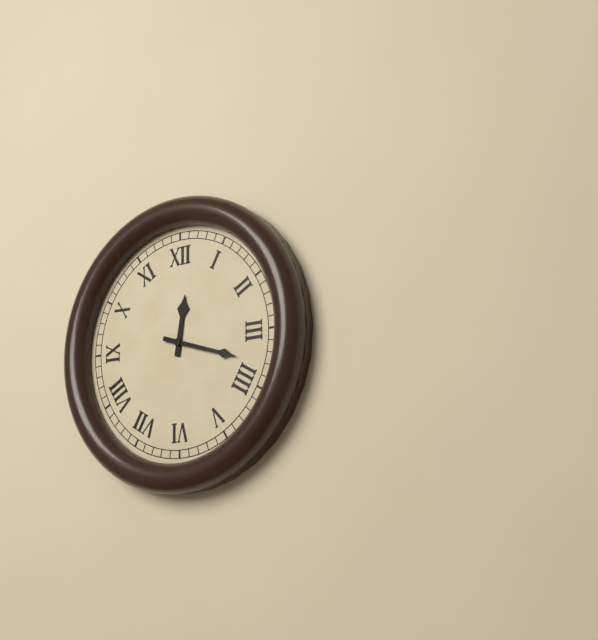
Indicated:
12,18
